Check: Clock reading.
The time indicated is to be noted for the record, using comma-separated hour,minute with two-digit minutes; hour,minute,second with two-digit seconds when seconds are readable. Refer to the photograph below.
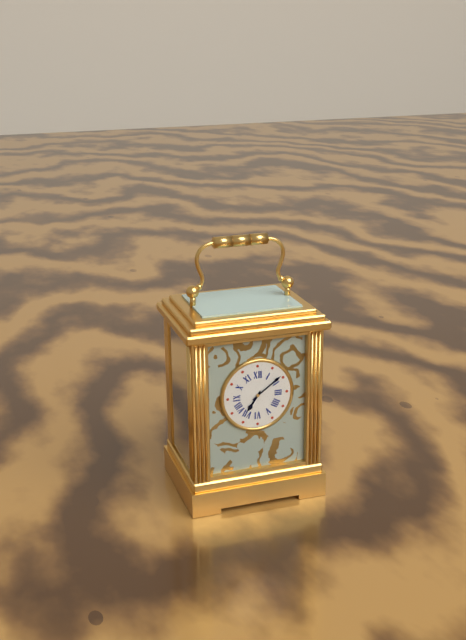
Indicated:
7,09
